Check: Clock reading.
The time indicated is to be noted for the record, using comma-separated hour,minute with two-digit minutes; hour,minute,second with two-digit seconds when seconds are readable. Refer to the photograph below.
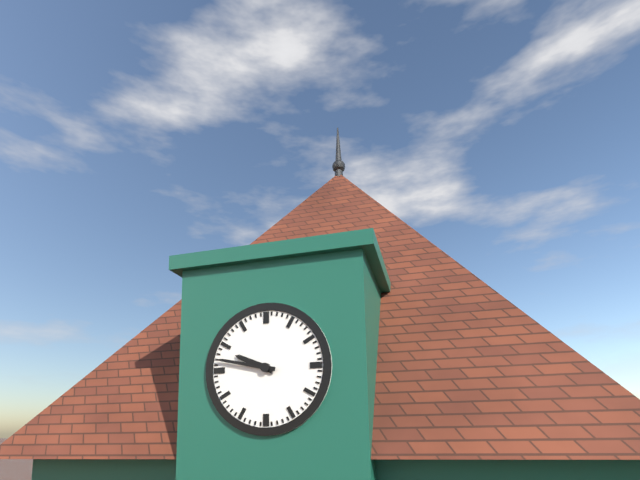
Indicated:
9,47
